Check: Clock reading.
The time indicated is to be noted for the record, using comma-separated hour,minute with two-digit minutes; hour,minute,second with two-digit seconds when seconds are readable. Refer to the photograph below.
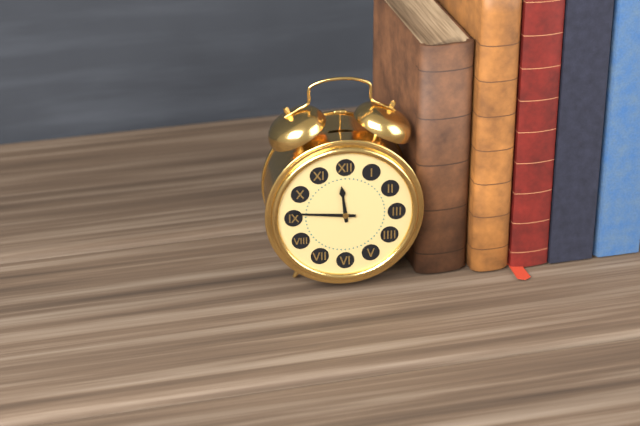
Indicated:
11,46
